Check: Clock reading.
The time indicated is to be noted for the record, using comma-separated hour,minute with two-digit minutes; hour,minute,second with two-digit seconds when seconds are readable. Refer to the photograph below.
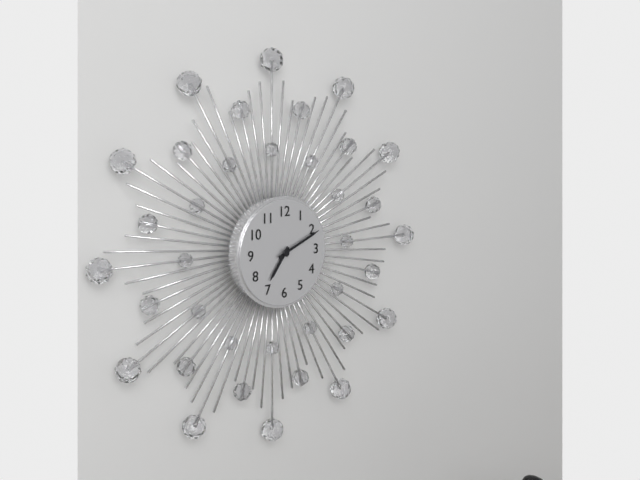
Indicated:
7,11
